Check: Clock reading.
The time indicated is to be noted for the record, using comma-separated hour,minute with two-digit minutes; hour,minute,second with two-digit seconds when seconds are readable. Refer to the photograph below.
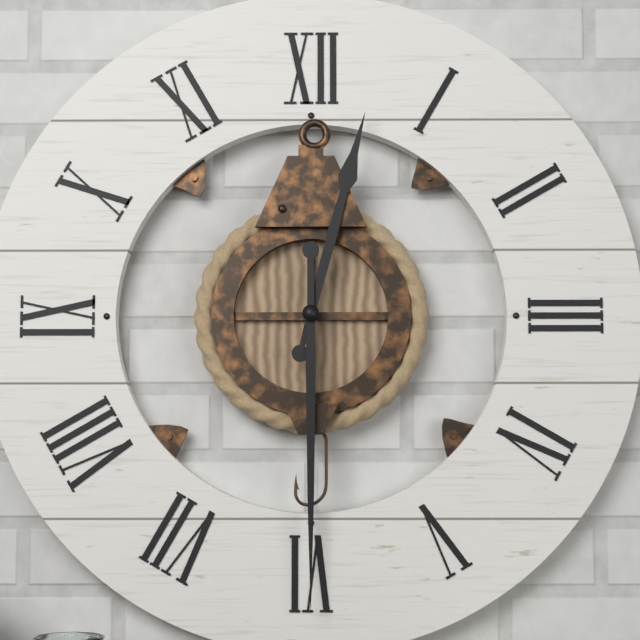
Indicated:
12,30
